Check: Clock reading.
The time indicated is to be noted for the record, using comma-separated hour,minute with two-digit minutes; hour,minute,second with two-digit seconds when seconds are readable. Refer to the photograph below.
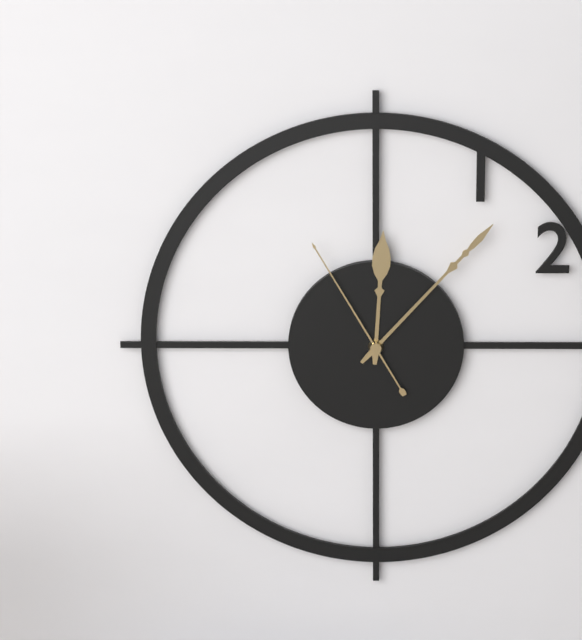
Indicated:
12,07,55
